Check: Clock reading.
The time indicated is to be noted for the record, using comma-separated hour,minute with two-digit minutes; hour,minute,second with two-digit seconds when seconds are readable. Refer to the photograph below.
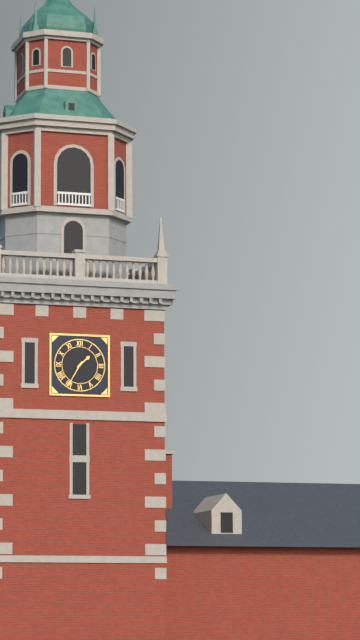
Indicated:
1,35
